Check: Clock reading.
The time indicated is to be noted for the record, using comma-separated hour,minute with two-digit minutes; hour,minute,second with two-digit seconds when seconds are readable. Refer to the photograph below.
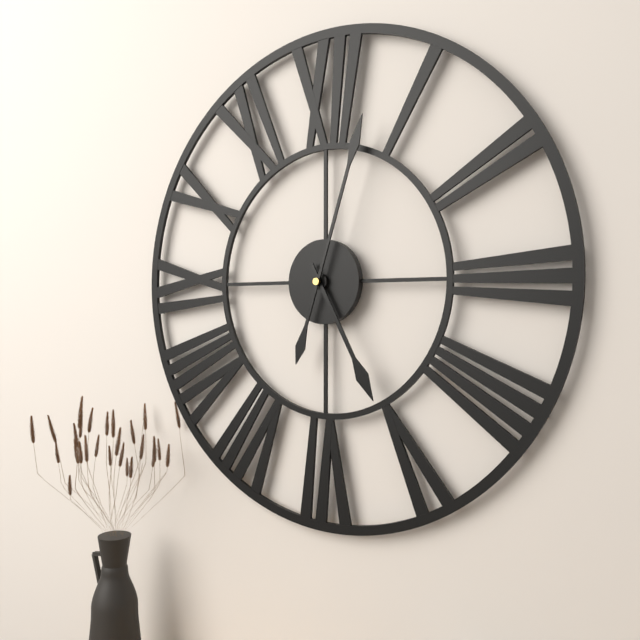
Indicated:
5,03
